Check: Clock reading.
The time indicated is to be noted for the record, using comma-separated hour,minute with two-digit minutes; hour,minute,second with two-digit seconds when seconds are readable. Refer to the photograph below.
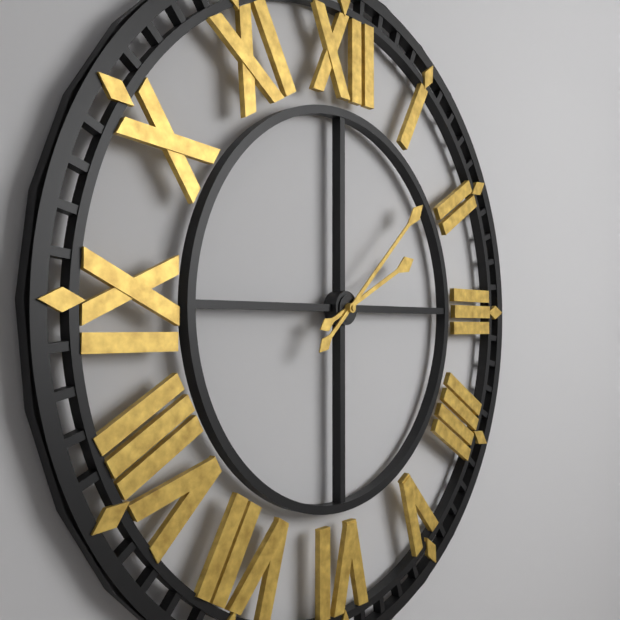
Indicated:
2,08
